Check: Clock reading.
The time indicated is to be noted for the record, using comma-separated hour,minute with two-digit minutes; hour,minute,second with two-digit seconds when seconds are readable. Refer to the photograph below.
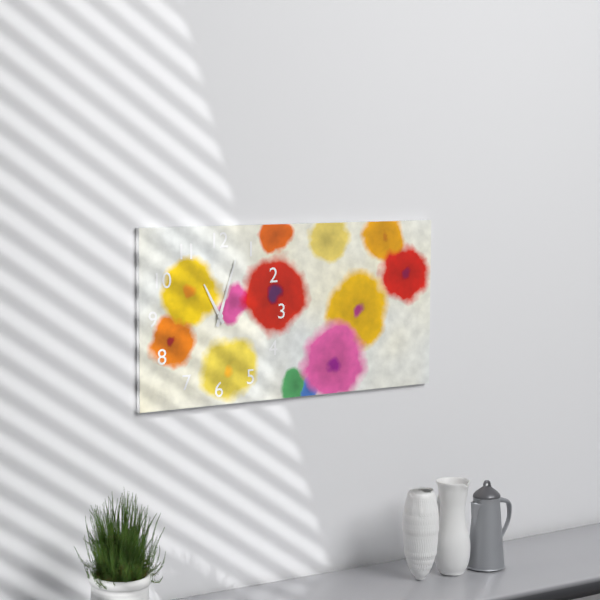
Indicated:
11,03
